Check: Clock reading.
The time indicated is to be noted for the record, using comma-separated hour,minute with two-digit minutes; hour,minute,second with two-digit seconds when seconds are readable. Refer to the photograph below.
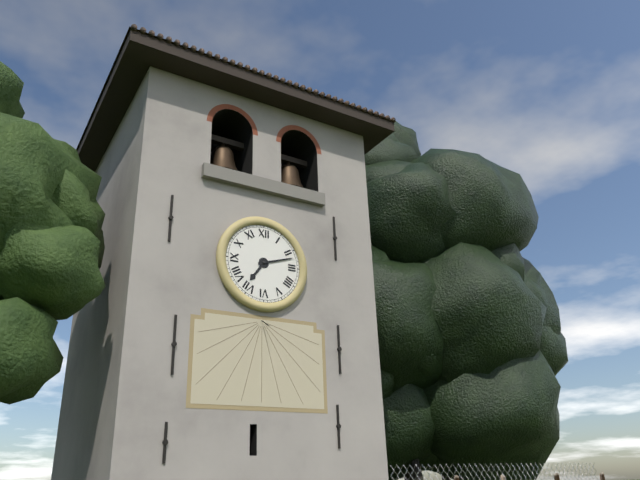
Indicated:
7,12
